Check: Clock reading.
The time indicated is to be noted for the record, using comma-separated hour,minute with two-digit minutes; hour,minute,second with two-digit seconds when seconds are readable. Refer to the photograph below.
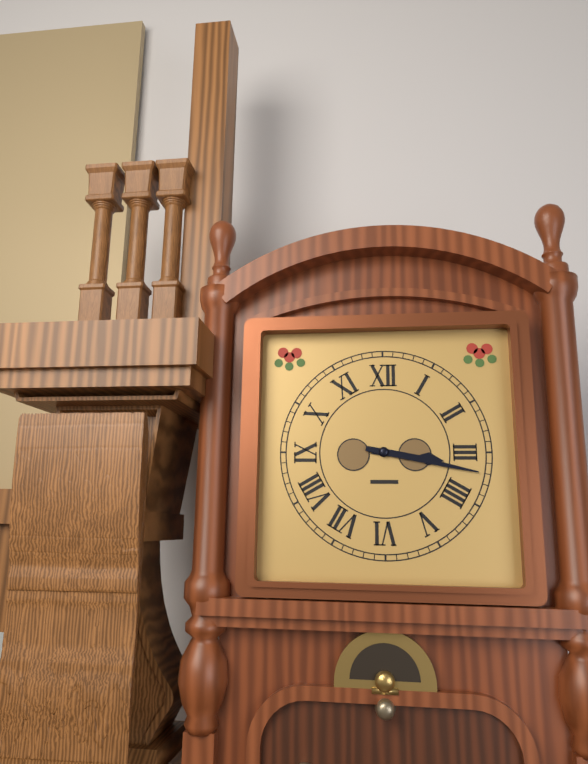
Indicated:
3,17
